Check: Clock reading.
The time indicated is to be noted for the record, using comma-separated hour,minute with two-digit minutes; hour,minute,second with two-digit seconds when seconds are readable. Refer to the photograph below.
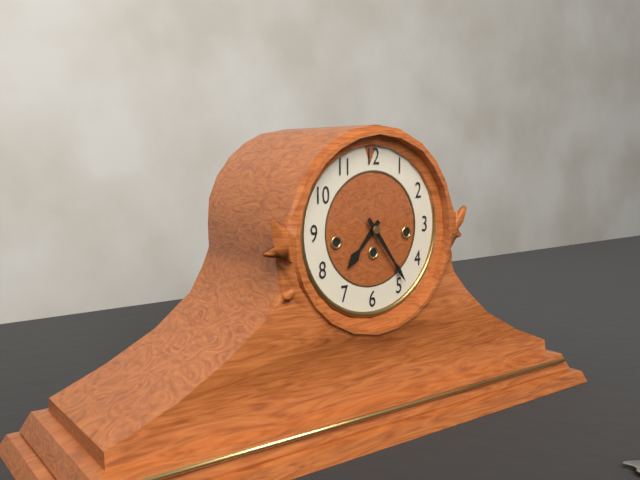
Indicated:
7,24
